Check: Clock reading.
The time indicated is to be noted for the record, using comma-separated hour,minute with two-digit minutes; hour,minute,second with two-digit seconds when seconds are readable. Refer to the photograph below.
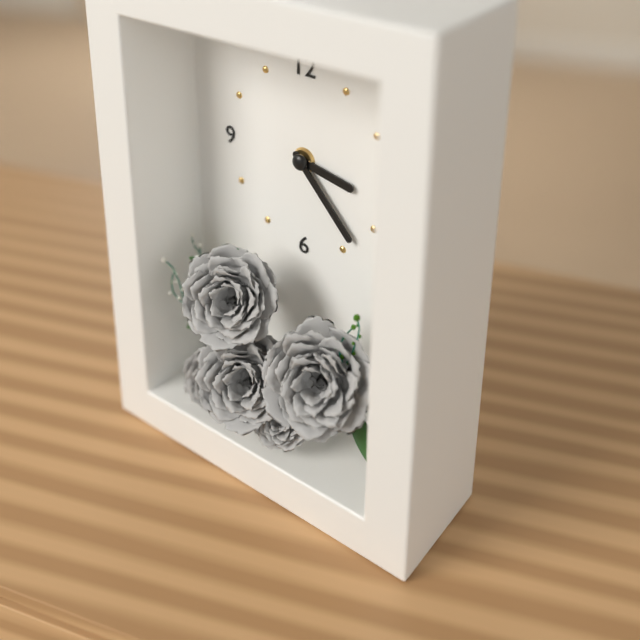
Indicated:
3,23
